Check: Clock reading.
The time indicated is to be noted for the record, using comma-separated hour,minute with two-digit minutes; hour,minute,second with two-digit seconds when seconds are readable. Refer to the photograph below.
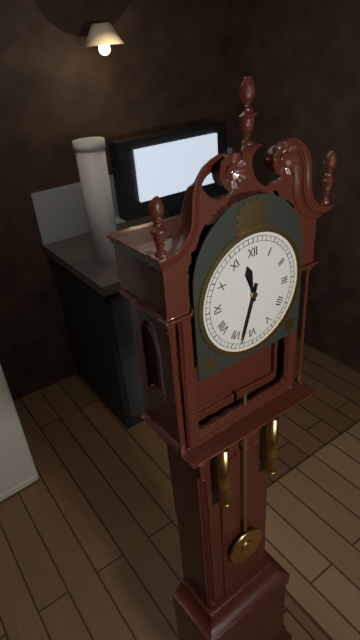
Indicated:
11,33
